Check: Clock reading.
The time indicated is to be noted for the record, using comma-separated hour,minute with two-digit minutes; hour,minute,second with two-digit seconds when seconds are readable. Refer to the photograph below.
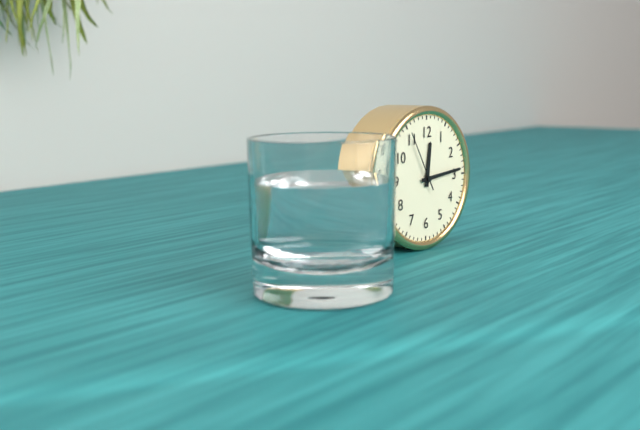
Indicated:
12,14,55
